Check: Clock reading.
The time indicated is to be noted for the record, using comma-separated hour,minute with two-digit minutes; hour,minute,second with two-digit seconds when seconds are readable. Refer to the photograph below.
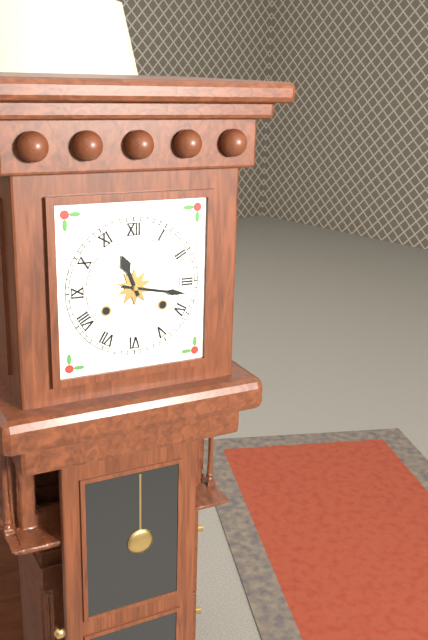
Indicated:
11,17
